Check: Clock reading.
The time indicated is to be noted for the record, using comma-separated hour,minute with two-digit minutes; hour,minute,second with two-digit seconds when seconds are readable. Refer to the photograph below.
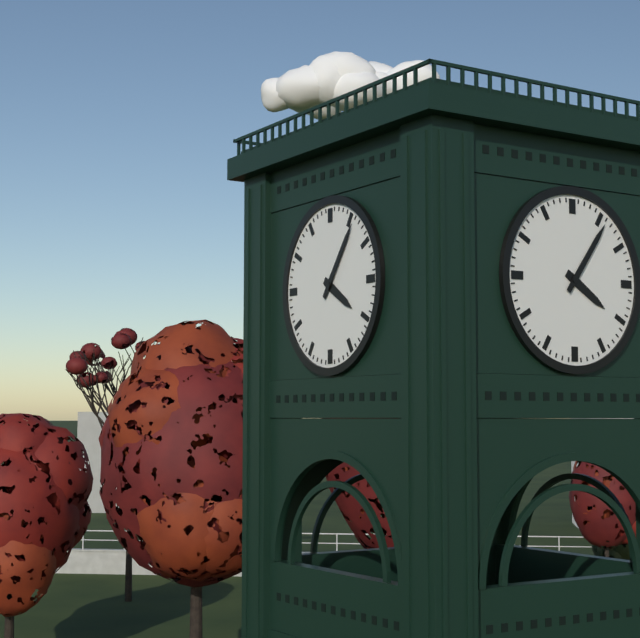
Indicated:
4,06
